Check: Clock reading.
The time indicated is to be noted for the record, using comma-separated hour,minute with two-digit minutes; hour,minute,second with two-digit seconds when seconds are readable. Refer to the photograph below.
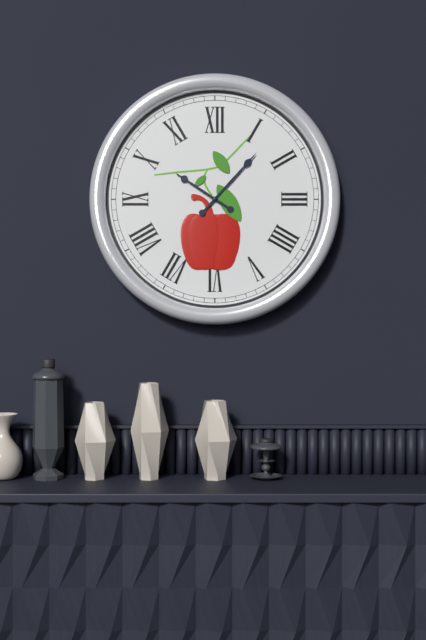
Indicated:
10,07
